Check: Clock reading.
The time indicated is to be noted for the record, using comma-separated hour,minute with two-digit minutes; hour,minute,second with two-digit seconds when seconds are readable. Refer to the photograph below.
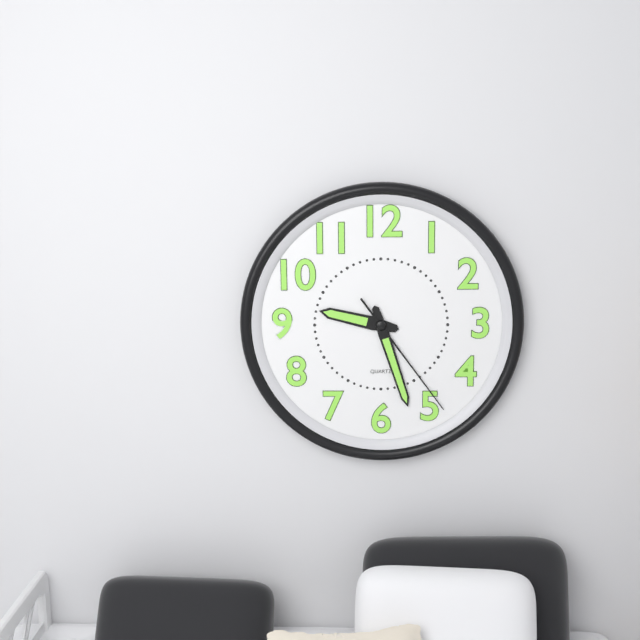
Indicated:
9,27,24
